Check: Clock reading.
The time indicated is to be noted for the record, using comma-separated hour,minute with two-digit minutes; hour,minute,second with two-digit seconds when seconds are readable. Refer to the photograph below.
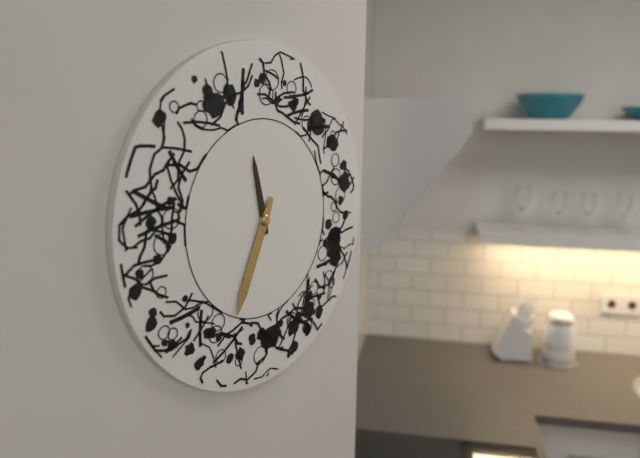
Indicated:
11,34
